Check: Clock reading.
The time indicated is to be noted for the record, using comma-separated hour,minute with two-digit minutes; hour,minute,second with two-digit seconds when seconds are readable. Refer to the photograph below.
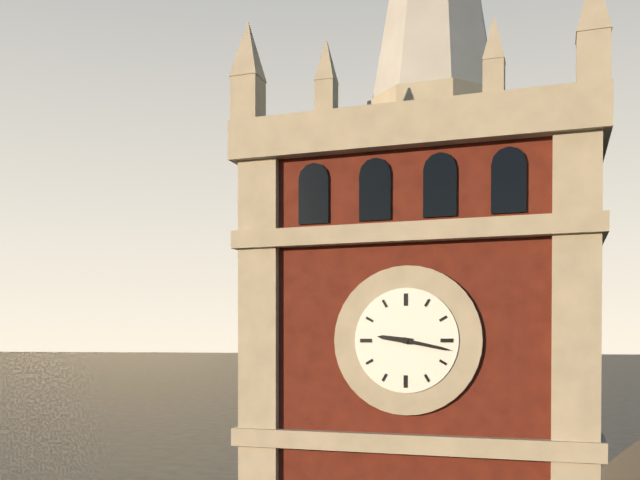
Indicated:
9,17
